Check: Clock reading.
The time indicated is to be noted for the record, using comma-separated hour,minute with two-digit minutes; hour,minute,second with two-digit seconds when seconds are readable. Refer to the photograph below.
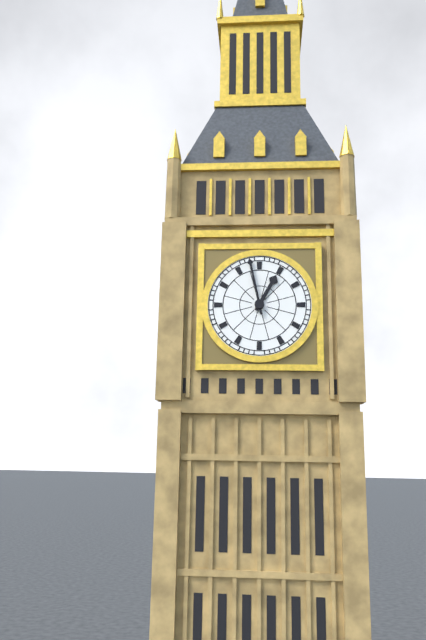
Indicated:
12,58
